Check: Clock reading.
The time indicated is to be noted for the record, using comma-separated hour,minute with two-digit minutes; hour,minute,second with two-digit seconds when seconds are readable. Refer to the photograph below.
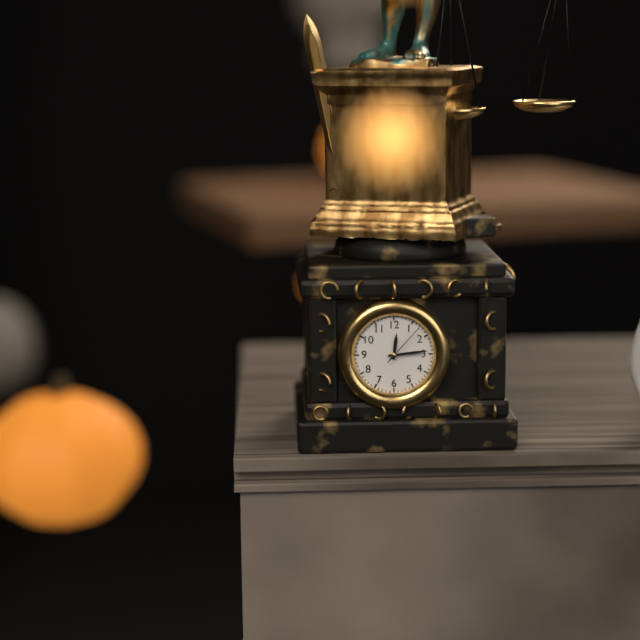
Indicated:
12,14
